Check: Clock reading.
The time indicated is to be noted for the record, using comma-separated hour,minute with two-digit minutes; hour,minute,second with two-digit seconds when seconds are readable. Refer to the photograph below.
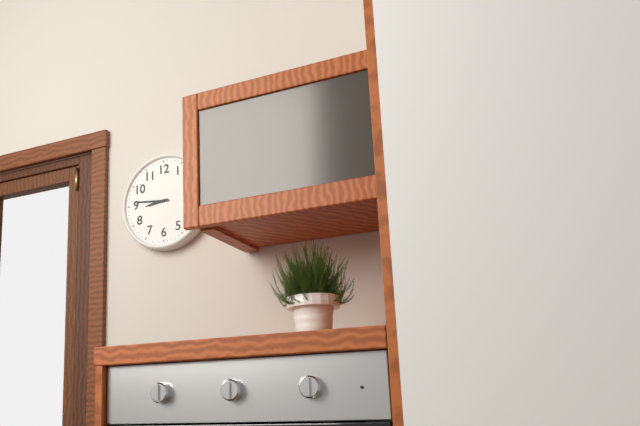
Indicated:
8,46
